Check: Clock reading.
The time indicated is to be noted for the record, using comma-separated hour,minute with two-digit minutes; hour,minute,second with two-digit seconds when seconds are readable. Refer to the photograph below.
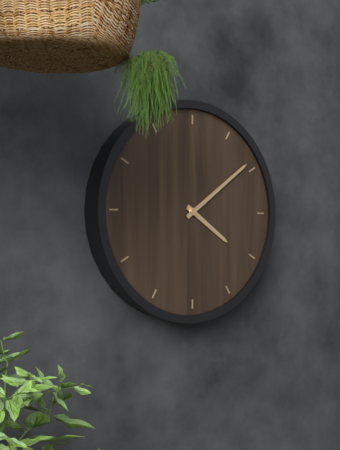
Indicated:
4,09
